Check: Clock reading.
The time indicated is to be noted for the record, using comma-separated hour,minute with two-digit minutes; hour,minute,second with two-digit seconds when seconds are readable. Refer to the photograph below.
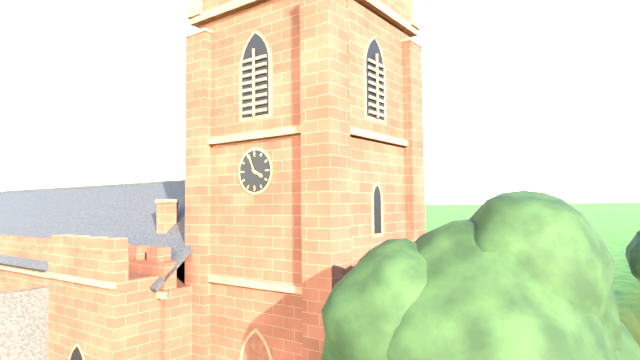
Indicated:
3,56
